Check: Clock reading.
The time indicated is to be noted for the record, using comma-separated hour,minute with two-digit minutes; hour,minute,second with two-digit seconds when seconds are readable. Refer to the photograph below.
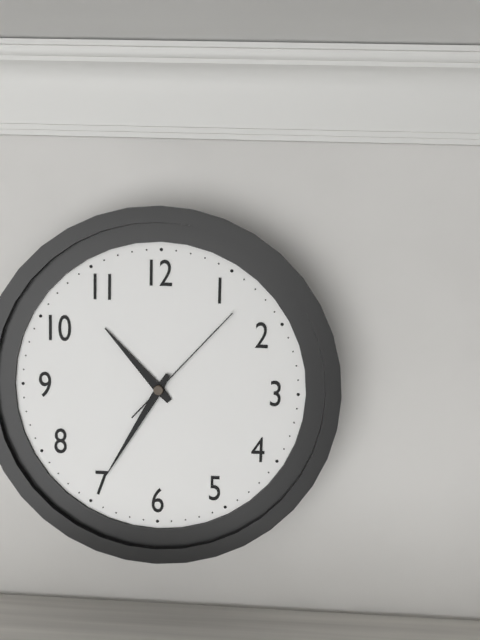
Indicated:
10,35,07
